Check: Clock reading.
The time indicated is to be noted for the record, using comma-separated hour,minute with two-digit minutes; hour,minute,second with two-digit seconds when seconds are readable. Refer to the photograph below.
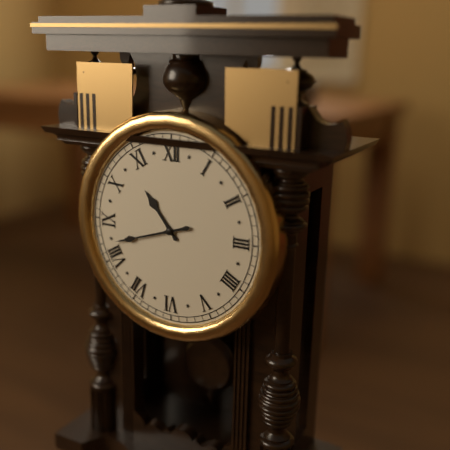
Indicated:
10,42
